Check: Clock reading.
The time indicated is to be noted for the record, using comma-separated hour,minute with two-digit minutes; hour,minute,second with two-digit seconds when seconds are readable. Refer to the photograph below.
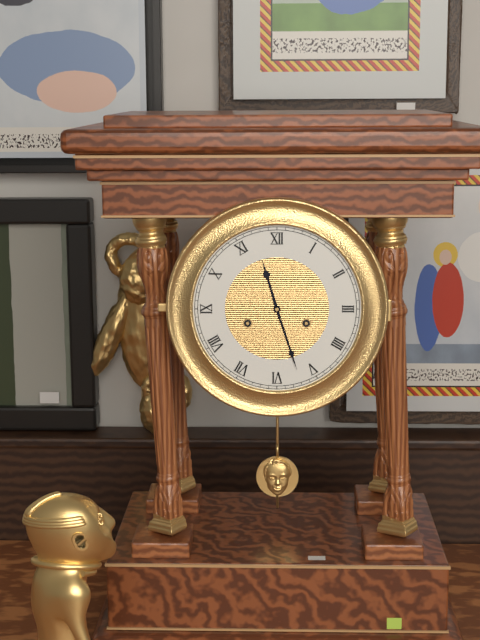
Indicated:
11,27
